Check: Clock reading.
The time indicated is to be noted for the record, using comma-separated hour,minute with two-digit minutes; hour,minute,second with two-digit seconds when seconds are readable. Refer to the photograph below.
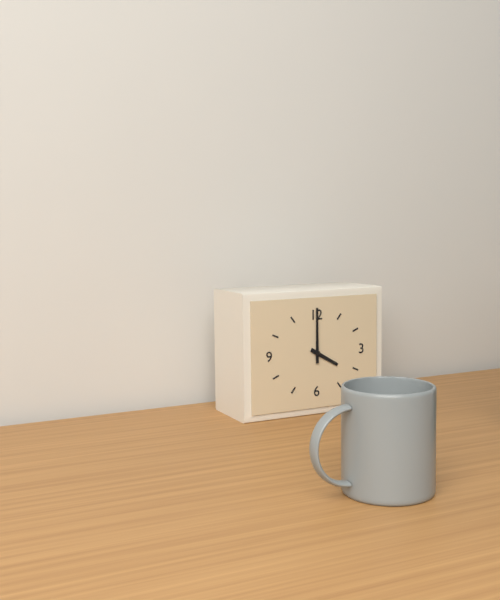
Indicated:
4,00
